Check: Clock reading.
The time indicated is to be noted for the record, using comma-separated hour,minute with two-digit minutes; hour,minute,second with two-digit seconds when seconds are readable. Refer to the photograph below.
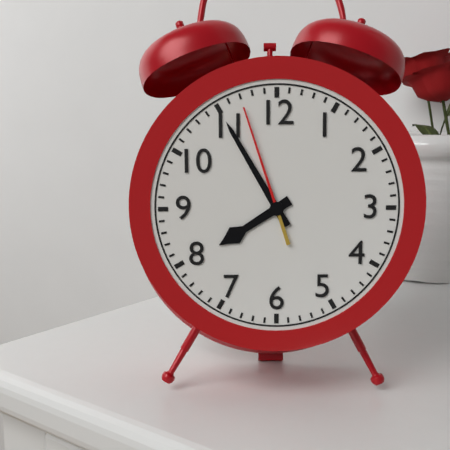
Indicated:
7,55,57
